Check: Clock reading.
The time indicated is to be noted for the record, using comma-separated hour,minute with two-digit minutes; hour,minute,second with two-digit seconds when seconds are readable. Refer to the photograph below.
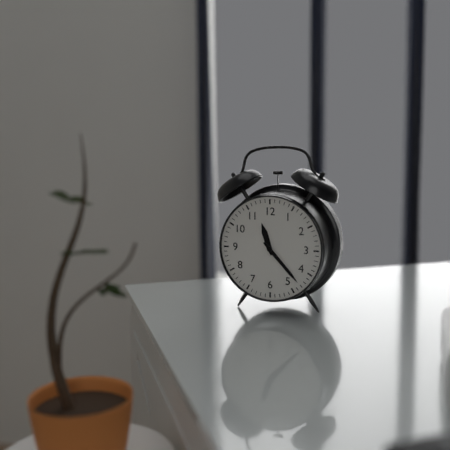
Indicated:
11,23
